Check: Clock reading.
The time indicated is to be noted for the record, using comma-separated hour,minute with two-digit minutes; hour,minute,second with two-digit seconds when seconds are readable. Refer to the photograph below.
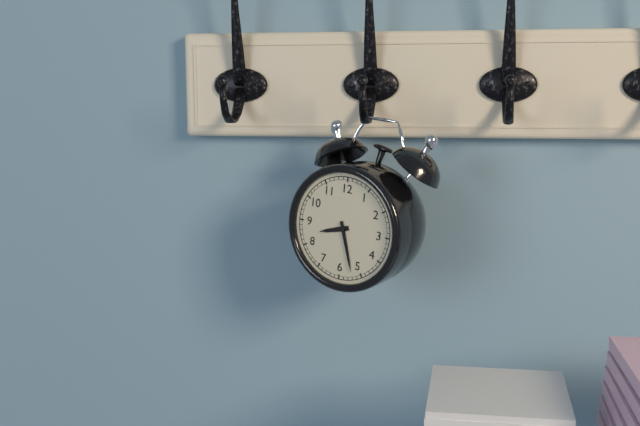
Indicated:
8,27
